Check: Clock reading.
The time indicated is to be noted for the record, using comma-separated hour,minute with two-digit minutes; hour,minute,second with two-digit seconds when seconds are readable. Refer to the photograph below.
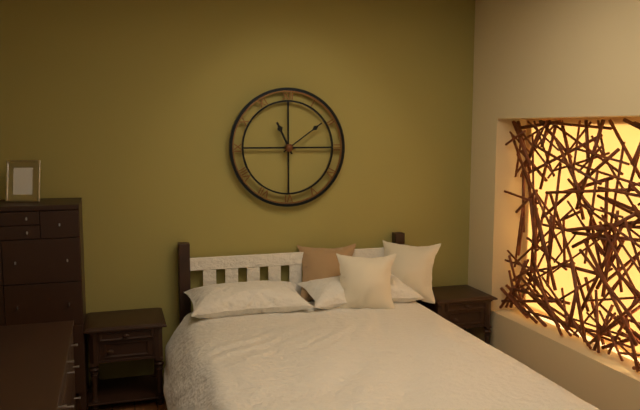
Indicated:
11,09
